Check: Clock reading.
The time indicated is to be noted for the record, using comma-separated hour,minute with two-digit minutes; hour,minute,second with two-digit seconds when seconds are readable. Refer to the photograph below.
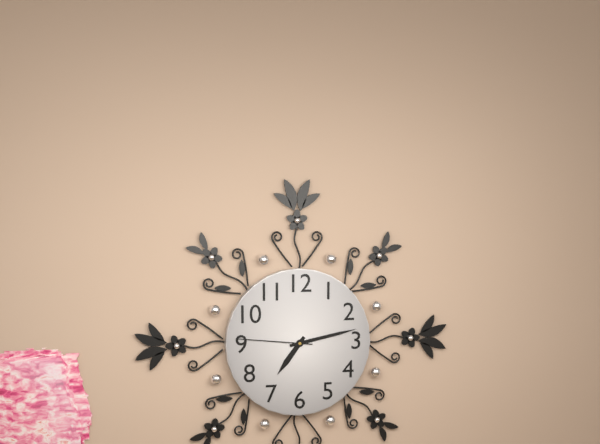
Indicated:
7,13,46
